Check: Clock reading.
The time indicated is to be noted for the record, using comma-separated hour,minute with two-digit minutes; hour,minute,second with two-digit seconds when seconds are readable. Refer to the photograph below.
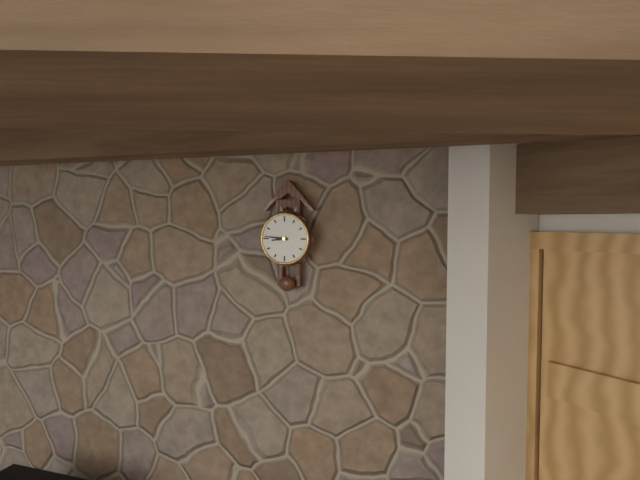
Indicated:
8,46
